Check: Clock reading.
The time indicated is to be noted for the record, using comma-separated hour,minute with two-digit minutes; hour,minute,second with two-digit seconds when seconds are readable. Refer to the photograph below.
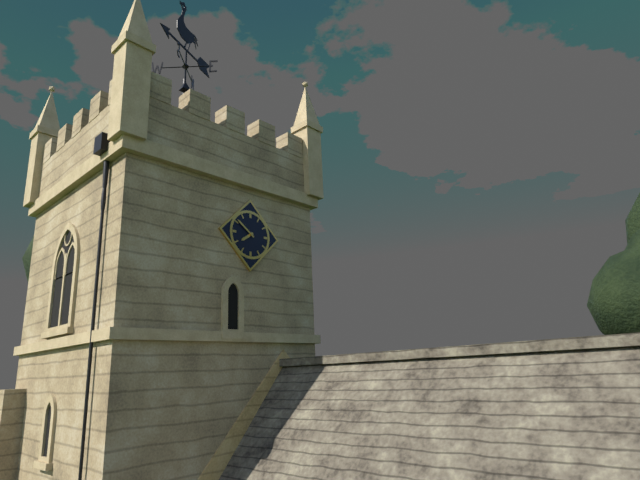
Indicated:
7,51
